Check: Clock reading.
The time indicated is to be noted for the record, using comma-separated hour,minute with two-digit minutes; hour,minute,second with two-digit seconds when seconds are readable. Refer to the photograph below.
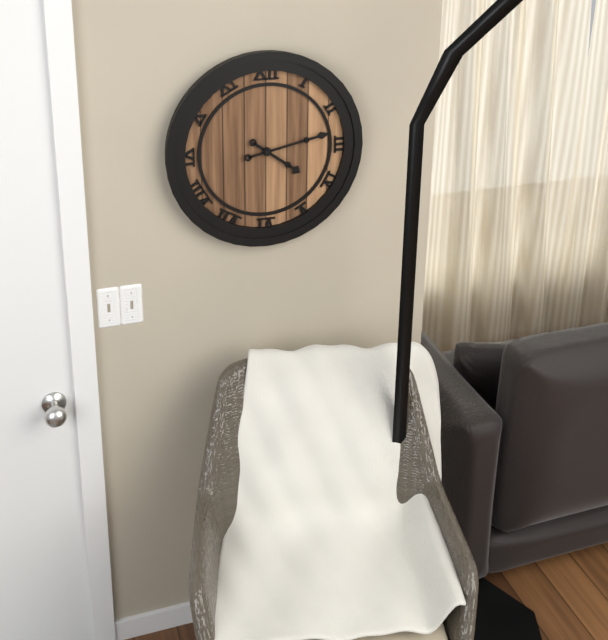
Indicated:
4,13
